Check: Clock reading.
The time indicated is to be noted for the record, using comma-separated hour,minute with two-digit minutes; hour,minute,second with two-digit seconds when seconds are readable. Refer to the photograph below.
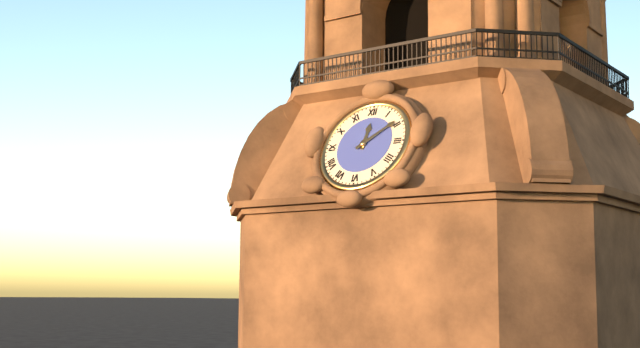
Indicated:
12,09
